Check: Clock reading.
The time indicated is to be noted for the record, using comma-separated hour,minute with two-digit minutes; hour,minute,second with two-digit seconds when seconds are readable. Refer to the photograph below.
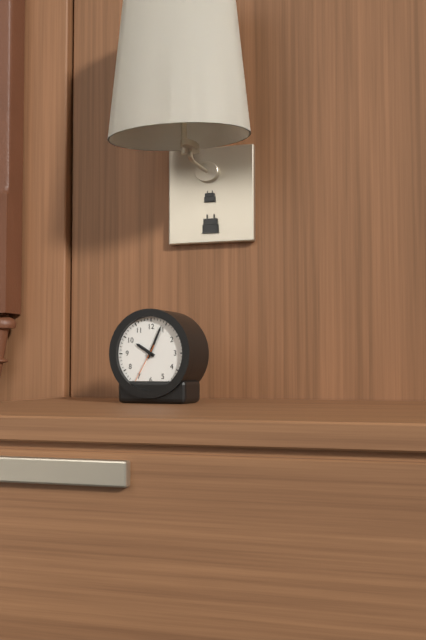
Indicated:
10,04
